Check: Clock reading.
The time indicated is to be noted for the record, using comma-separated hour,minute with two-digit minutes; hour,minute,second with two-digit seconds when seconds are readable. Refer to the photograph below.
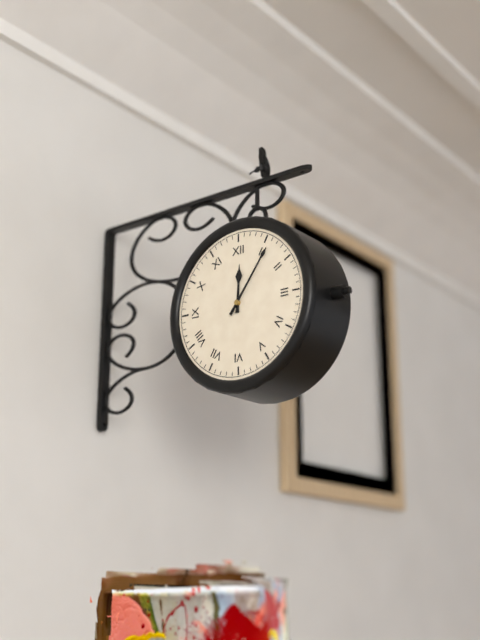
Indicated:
12,06
